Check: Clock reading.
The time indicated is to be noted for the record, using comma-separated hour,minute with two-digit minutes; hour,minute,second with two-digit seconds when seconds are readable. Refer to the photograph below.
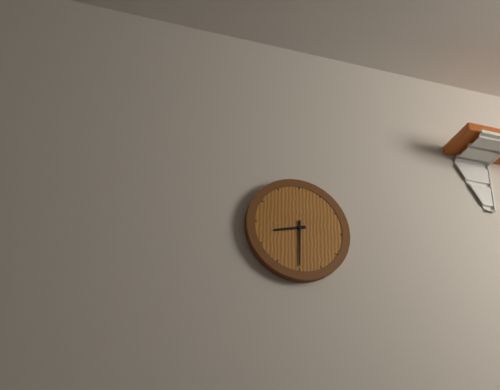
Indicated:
8,30
